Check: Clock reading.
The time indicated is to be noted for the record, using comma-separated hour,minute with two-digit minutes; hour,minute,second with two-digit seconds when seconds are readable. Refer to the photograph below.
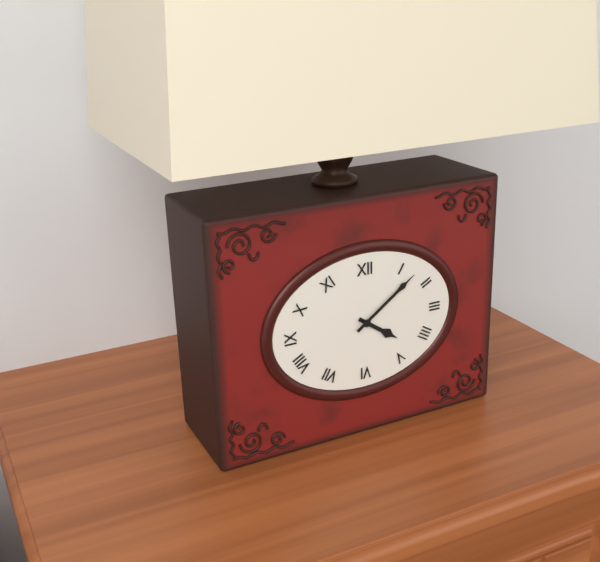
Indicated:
4,09
